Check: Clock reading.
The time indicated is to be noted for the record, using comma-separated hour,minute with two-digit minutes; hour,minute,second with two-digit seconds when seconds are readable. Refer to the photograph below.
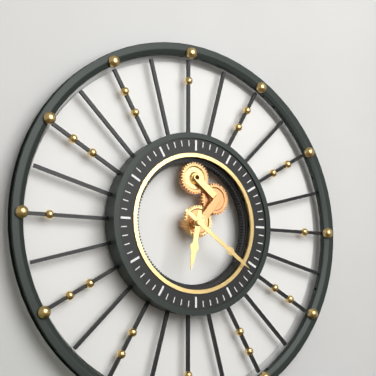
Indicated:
6,21
